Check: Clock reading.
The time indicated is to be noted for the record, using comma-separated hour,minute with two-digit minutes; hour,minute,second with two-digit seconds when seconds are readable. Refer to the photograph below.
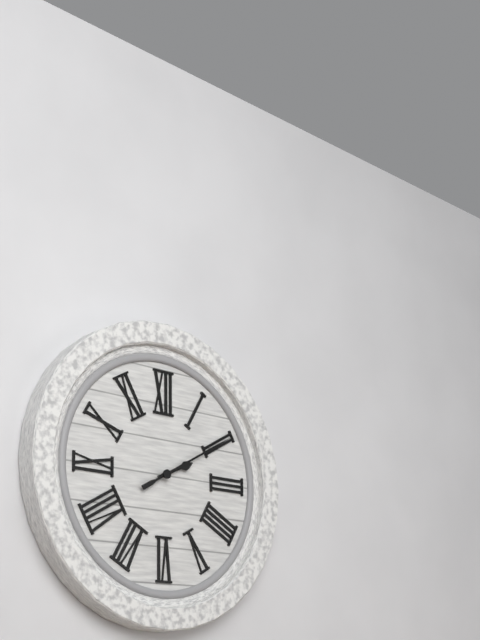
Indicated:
2,10
